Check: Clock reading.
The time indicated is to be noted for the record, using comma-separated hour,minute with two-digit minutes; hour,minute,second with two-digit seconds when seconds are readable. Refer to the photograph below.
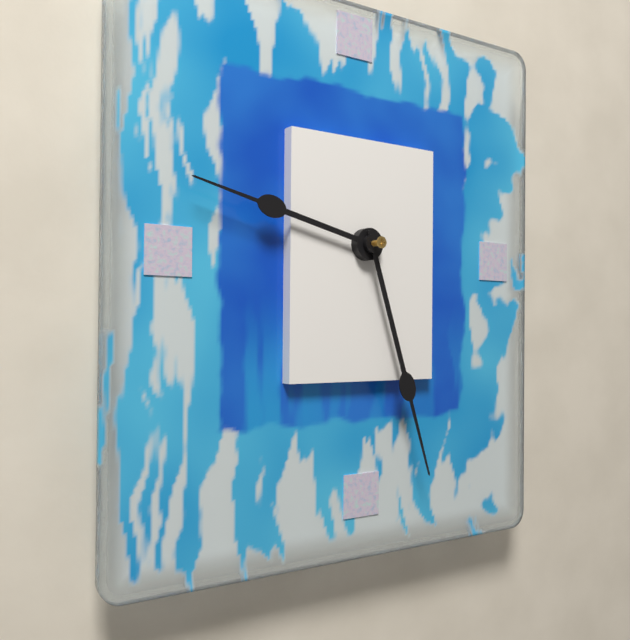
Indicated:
9,27
